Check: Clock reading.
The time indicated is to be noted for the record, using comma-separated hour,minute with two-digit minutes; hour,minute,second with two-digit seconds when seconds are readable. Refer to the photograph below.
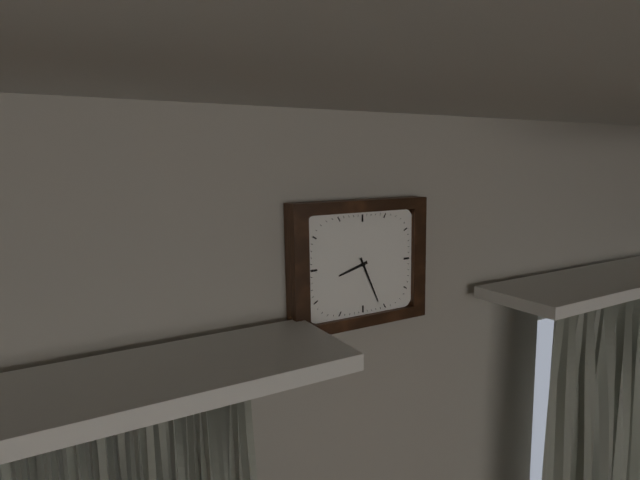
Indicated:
8,26
